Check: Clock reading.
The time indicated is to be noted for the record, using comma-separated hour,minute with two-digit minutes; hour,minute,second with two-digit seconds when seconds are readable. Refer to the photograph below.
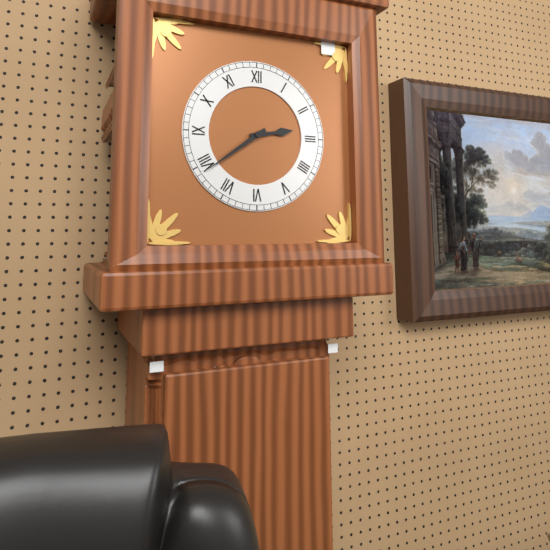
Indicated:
2,39
